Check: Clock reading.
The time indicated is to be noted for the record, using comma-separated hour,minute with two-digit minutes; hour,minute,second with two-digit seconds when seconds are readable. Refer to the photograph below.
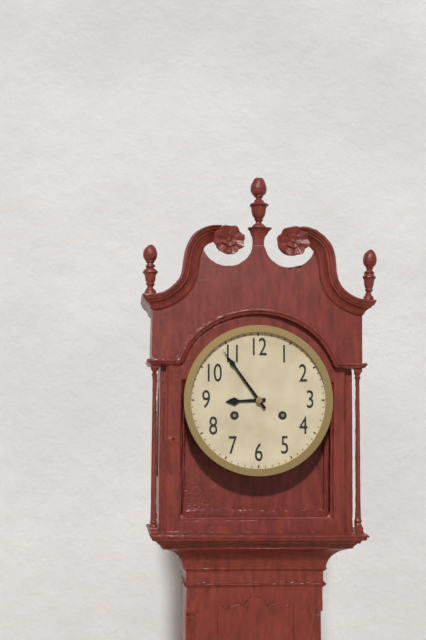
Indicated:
8,54
